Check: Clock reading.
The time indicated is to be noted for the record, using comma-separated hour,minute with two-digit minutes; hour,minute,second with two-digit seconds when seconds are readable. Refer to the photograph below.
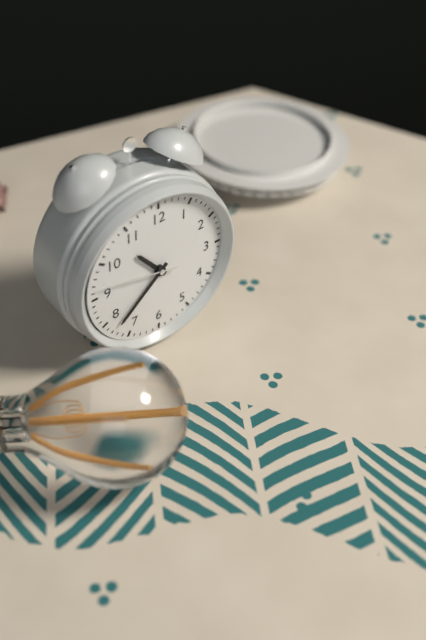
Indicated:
10,38,47
